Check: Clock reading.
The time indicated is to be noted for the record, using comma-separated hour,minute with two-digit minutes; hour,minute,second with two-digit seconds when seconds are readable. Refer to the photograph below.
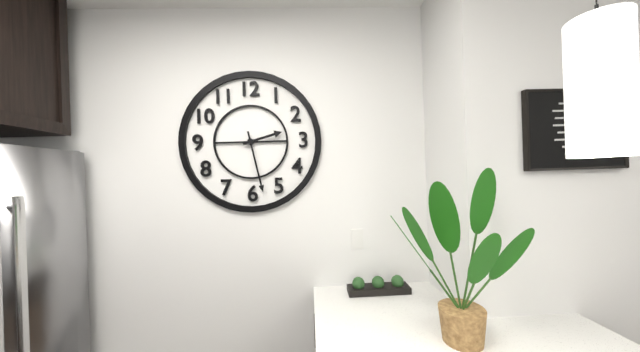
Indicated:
2,28
